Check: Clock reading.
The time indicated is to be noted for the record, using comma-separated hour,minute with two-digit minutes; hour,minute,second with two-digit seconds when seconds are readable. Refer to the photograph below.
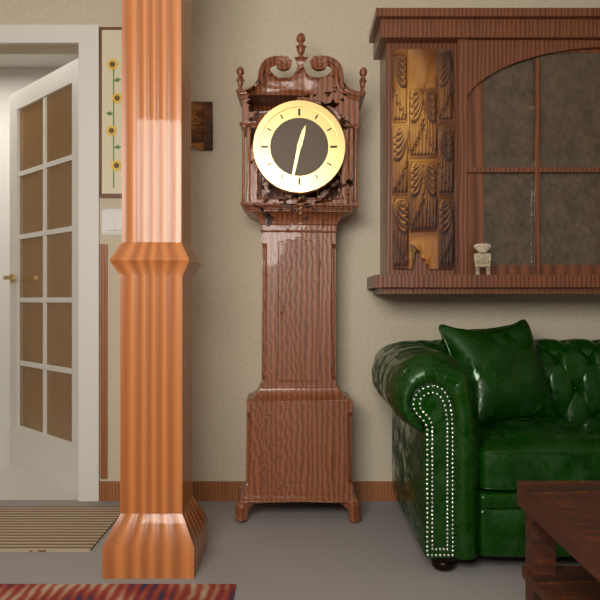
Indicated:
12,32
